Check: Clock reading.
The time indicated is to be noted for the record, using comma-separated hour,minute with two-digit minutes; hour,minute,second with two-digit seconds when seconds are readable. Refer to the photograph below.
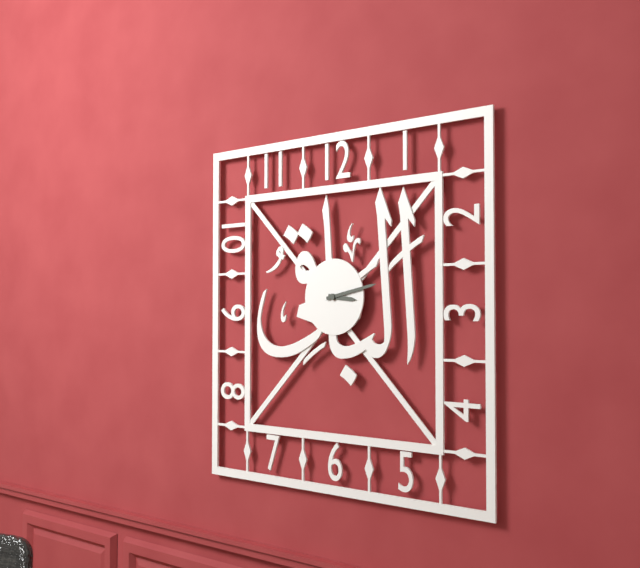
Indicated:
3,13
